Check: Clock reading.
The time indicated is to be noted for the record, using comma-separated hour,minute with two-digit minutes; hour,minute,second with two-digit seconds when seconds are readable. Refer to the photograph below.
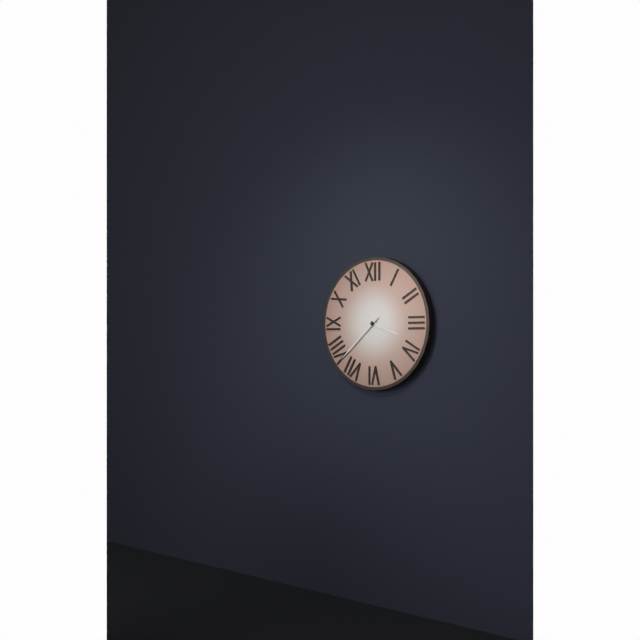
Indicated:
3,38
